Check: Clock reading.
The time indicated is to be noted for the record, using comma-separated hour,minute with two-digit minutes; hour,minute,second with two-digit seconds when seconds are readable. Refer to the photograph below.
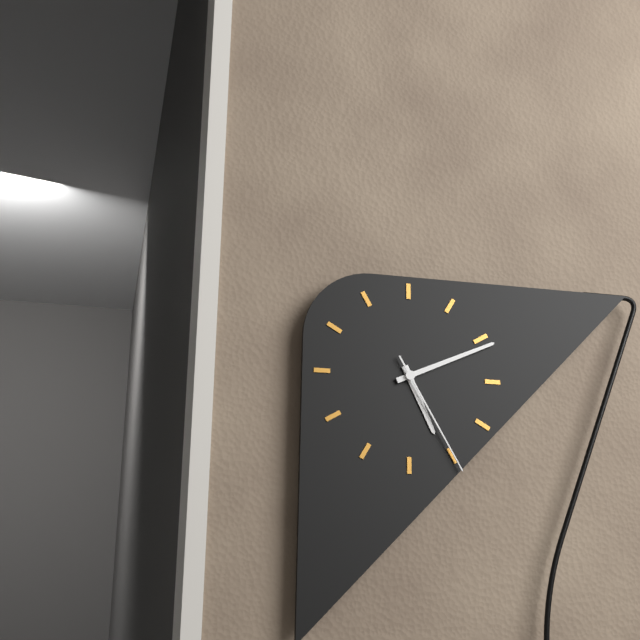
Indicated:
5,11,25
